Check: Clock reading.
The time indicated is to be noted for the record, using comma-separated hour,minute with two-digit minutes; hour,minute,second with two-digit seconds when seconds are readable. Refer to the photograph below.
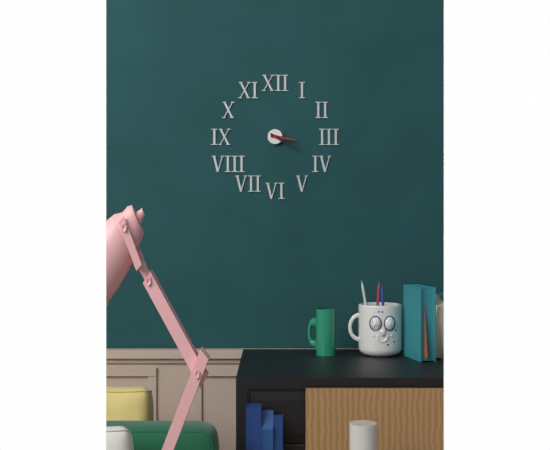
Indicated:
3,20
